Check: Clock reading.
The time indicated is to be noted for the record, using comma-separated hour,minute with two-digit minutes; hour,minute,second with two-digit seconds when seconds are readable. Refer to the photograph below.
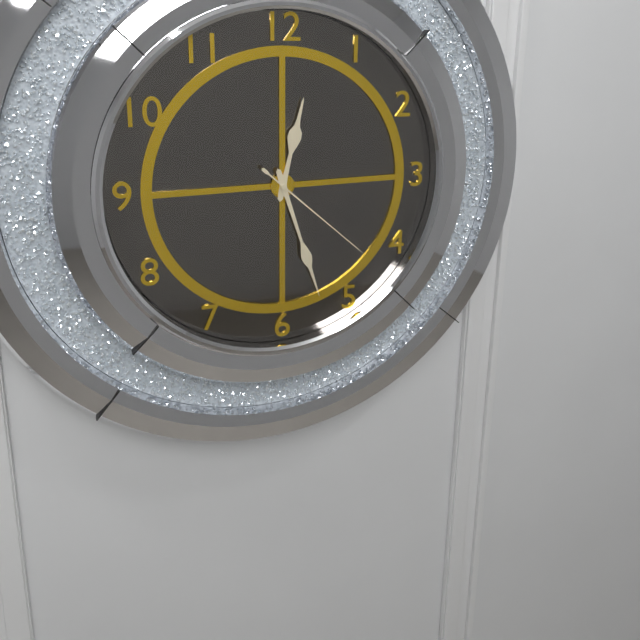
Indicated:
12,27,22
